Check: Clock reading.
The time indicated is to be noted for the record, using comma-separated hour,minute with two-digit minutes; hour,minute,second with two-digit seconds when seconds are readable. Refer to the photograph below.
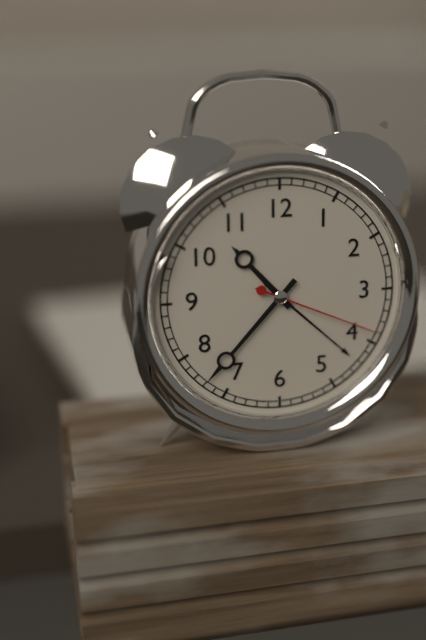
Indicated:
10,37,19
